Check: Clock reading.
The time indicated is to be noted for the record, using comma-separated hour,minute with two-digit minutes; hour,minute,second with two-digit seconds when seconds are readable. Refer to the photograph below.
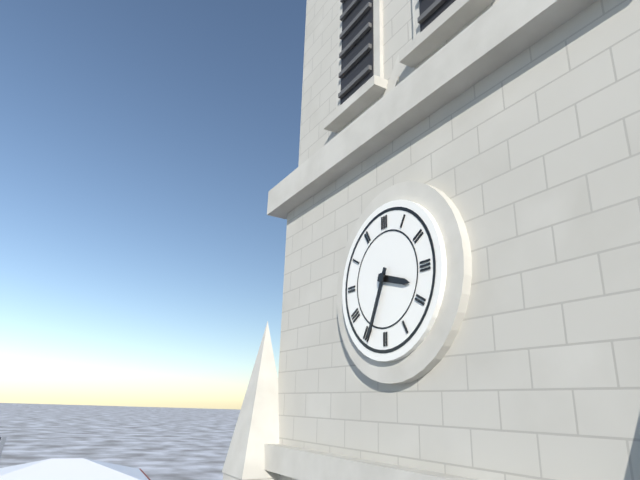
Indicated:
3,34
